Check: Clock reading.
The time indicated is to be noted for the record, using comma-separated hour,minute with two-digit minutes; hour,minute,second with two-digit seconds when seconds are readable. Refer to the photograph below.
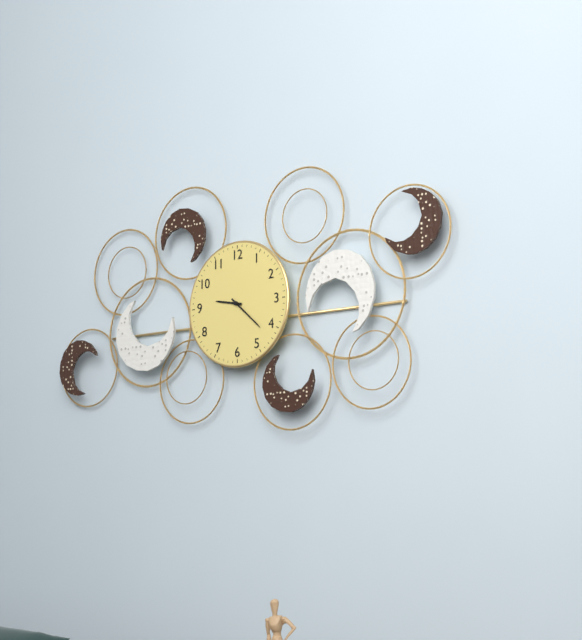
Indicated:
9,22
